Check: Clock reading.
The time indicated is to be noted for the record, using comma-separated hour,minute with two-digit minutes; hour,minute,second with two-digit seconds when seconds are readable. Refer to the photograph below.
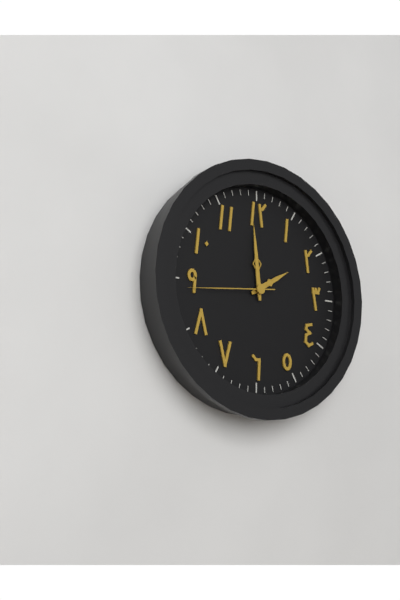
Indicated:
1,59,44
